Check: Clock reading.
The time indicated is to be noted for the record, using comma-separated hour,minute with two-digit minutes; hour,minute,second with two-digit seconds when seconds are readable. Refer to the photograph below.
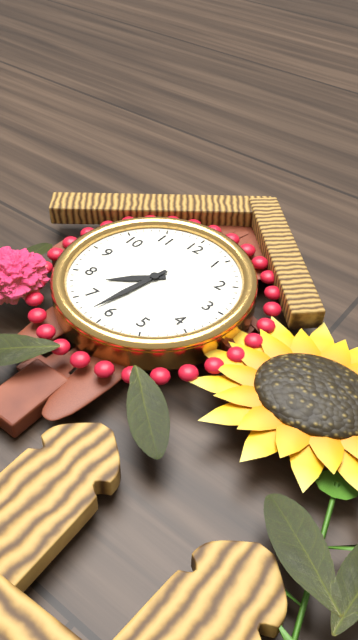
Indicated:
7,32
